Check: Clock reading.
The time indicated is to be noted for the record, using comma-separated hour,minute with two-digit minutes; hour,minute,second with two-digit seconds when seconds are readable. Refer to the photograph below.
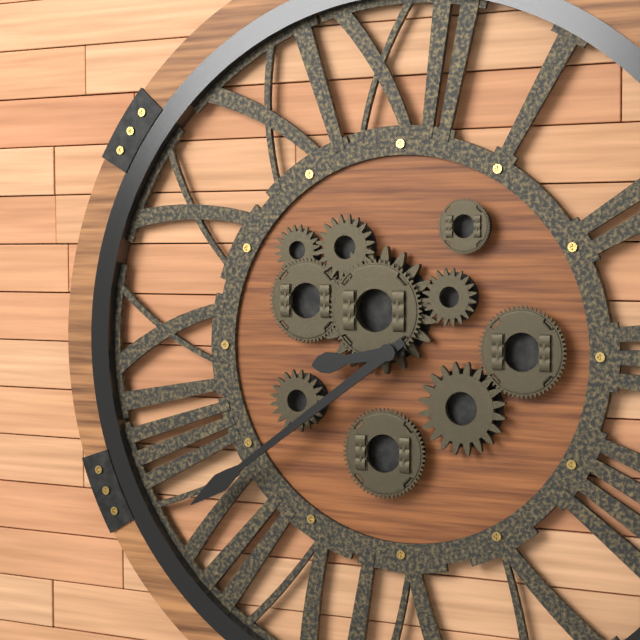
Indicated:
8,39
